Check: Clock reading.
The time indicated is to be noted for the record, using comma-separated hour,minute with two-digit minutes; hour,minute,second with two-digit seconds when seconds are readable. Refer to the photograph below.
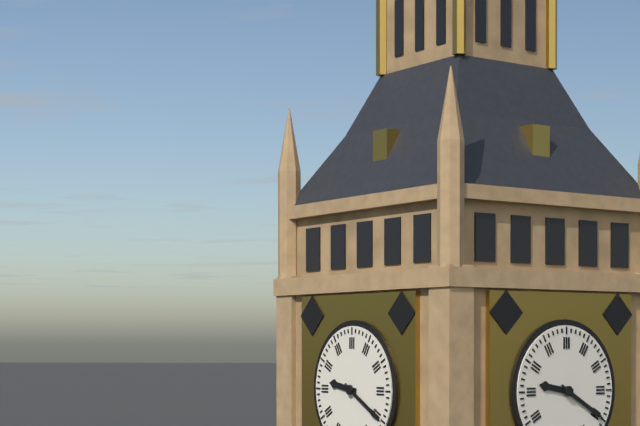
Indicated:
9,20
